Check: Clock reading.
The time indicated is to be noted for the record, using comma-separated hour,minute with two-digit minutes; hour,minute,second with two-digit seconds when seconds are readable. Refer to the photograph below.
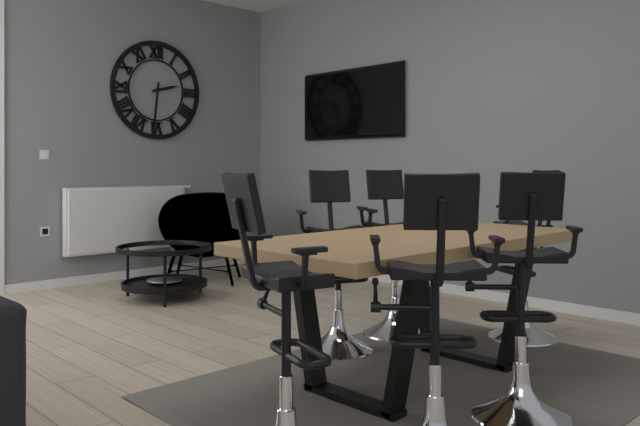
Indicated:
2,31
